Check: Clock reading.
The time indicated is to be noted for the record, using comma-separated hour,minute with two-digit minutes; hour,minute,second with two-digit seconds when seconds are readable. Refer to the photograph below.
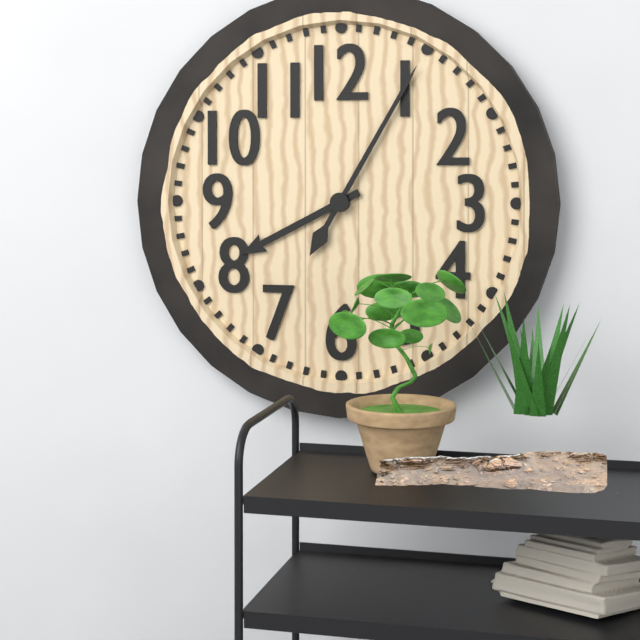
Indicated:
8,05
